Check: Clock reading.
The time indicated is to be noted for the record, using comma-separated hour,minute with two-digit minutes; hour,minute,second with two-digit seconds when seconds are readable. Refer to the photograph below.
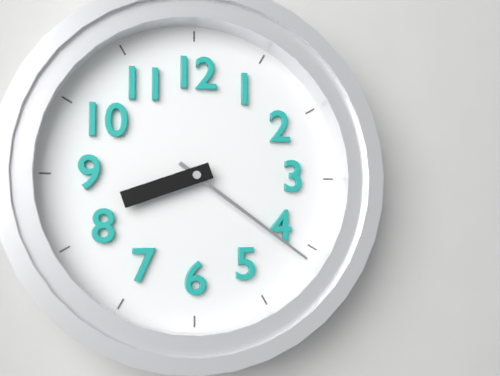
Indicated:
8,21
